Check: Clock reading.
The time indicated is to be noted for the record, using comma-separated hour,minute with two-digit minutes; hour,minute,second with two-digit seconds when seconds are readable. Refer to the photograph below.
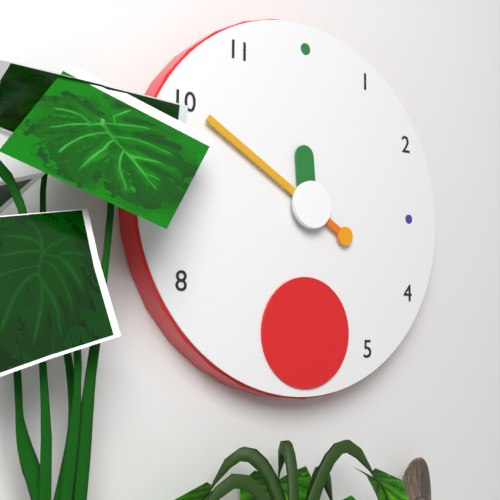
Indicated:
11,50
